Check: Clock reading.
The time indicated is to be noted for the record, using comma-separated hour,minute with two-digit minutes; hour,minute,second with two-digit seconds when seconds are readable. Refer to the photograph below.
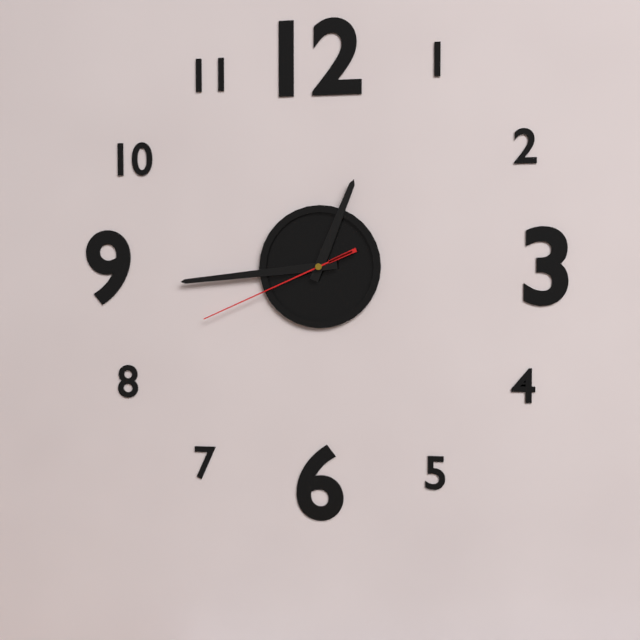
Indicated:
12,44,41
